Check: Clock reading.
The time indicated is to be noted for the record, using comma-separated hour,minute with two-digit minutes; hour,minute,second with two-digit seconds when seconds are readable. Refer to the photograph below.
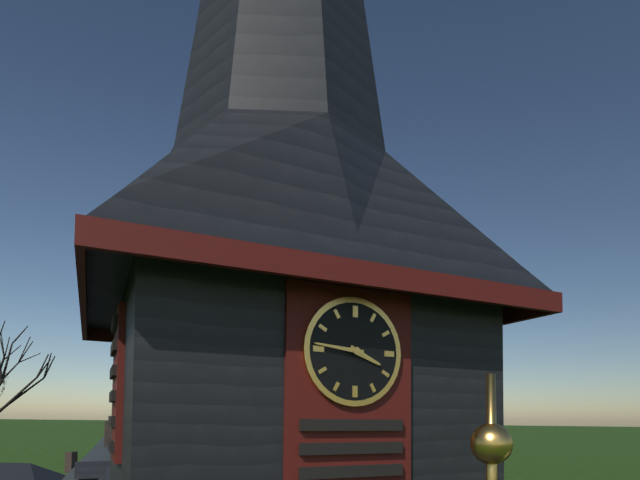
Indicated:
3,46
